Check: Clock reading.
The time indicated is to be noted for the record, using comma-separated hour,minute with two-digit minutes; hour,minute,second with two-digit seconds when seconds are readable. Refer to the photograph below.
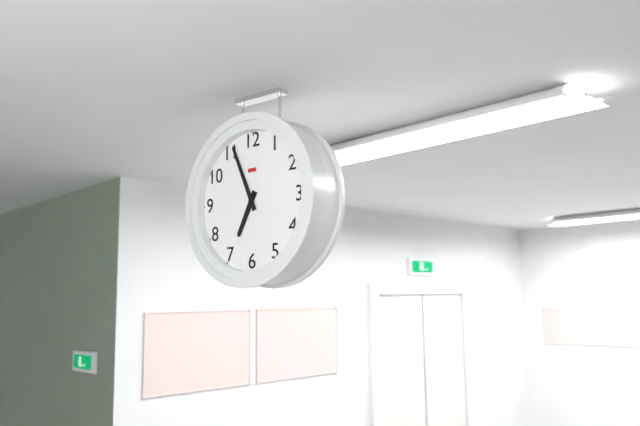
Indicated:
6,56
